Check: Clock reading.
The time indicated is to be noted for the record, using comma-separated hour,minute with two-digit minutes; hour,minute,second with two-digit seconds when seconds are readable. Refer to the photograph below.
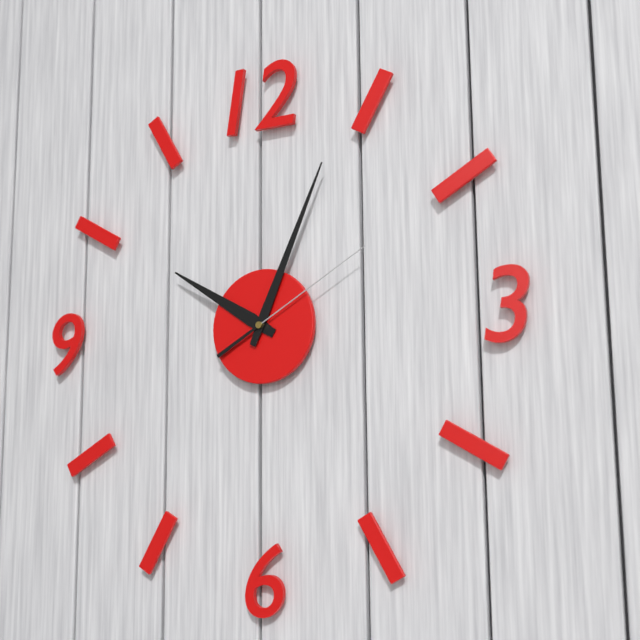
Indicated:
10,04,10
